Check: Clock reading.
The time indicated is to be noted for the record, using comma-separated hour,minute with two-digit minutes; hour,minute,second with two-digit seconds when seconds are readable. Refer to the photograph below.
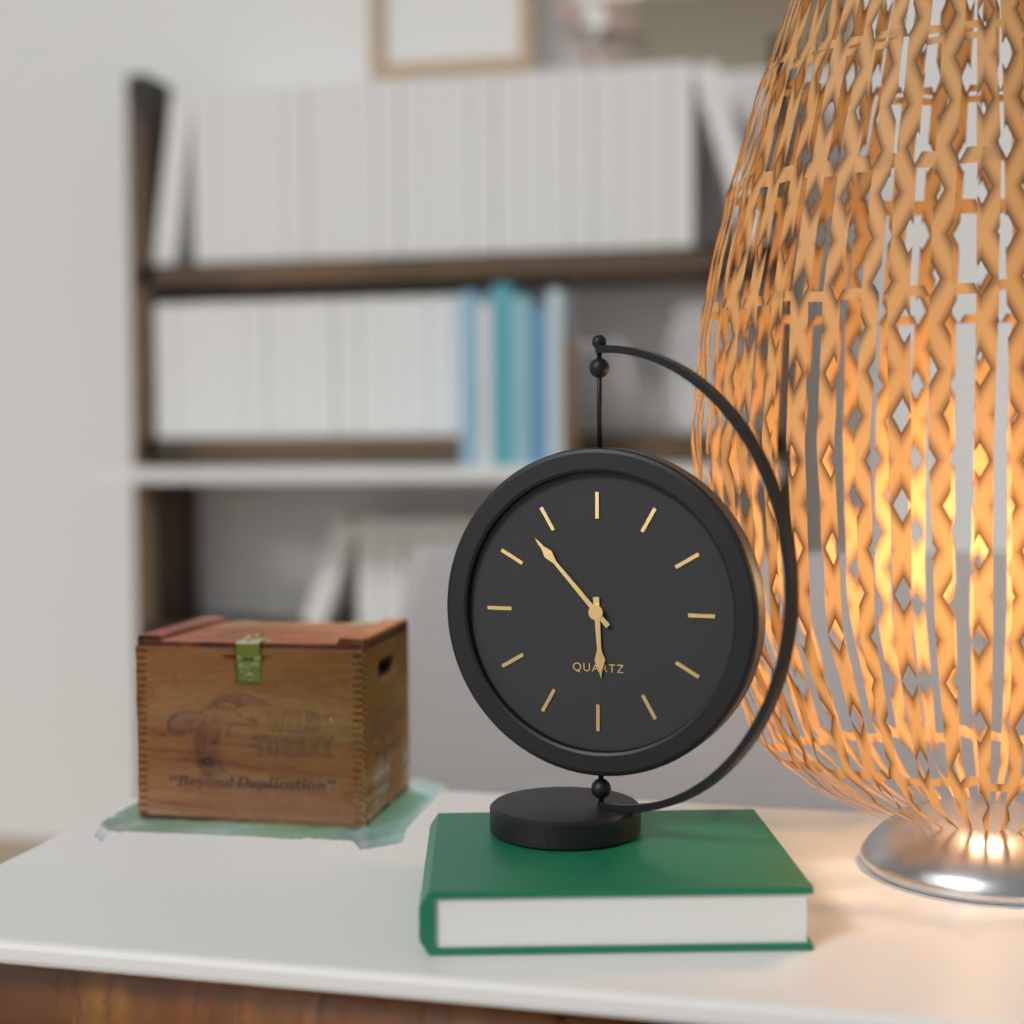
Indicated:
5,53
